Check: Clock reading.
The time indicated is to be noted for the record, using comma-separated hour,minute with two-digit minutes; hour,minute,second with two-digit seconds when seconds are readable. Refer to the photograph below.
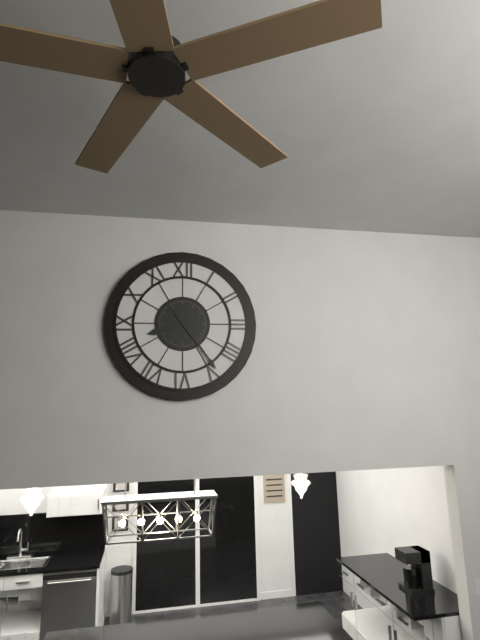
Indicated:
8,24
